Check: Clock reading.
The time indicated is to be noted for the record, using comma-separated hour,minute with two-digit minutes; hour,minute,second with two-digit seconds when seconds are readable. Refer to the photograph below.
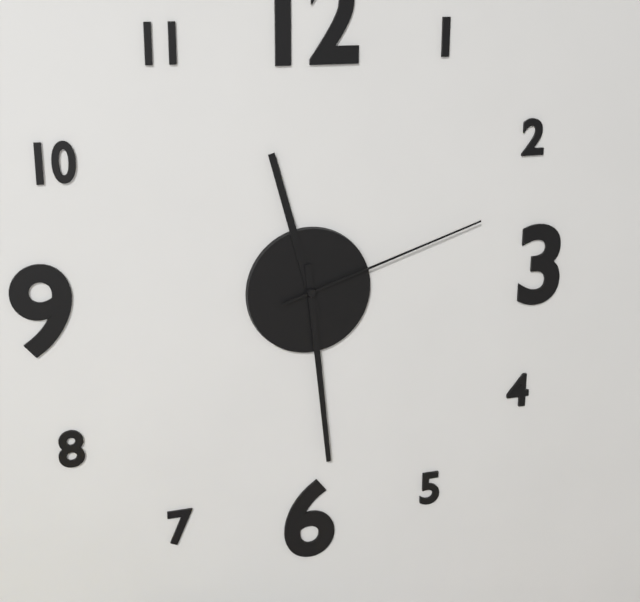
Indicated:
11,29,12
